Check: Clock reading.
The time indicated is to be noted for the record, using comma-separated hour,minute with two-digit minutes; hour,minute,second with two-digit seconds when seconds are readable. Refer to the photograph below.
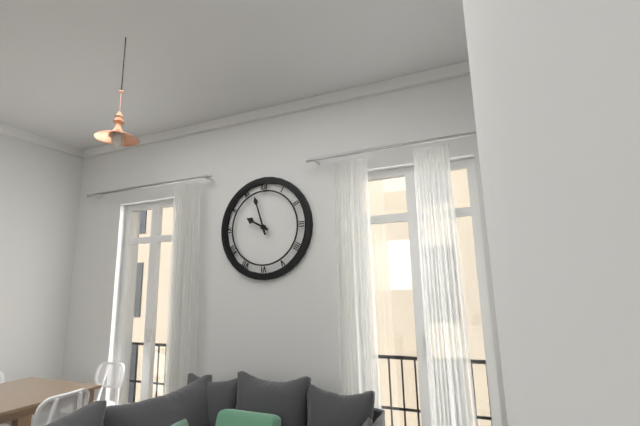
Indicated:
9,57
